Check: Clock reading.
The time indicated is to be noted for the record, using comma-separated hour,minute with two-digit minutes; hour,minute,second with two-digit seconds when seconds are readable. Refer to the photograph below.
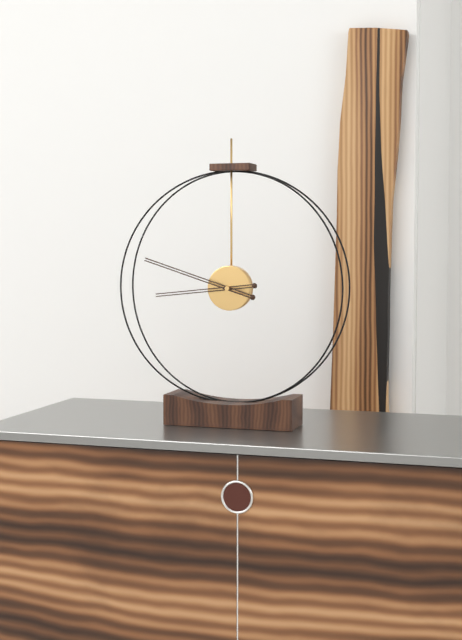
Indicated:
8,48
